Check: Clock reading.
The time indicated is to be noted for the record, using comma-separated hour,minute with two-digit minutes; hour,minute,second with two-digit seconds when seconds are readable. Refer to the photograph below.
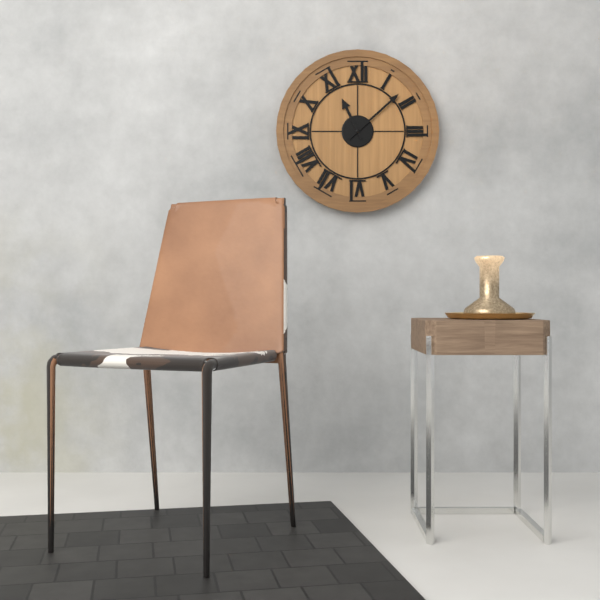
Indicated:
11,08
